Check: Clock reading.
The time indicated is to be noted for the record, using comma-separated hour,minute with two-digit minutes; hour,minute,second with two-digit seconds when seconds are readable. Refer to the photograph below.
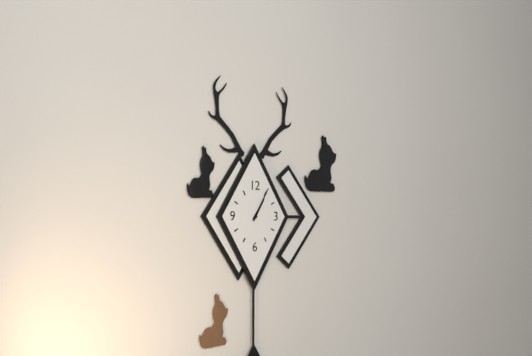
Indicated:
1,05
